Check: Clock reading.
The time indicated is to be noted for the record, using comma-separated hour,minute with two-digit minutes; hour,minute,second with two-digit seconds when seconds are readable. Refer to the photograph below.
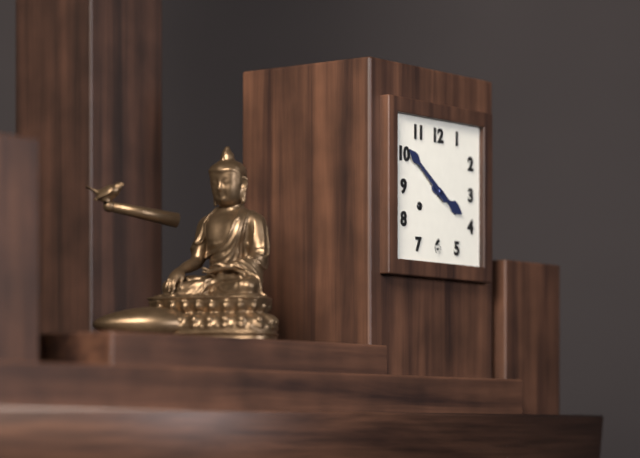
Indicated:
3,51
